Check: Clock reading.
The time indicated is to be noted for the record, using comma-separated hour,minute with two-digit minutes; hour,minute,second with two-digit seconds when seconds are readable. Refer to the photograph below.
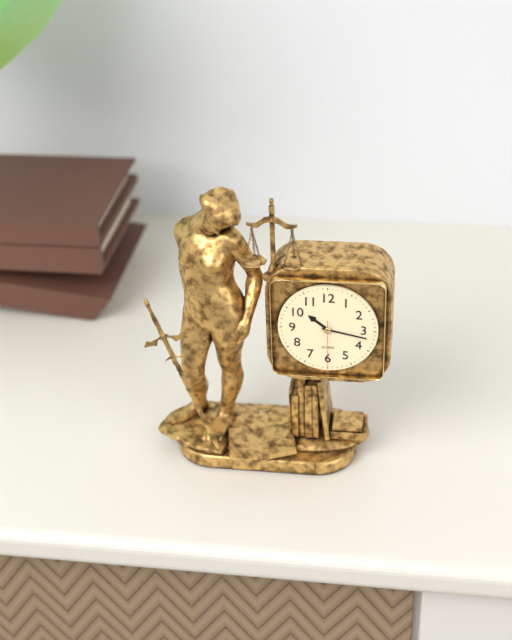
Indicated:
10,17
